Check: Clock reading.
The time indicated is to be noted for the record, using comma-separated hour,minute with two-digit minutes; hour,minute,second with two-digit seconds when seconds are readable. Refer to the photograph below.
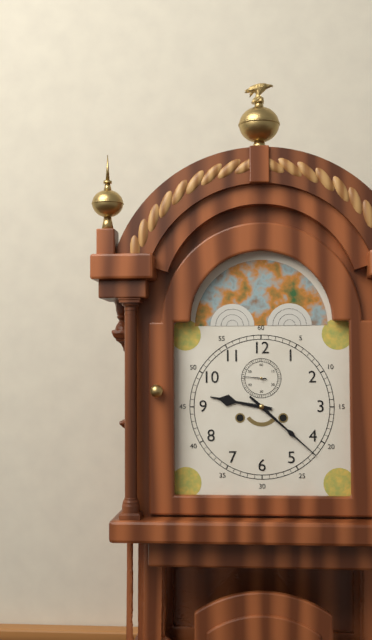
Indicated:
9,22
